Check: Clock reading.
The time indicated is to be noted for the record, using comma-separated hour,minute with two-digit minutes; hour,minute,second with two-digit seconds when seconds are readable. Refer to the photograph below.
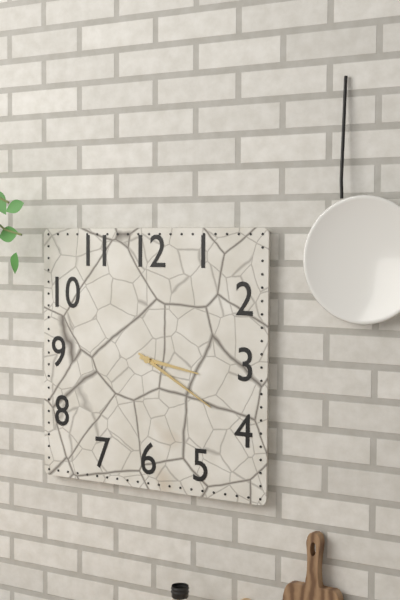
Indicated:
3,20
